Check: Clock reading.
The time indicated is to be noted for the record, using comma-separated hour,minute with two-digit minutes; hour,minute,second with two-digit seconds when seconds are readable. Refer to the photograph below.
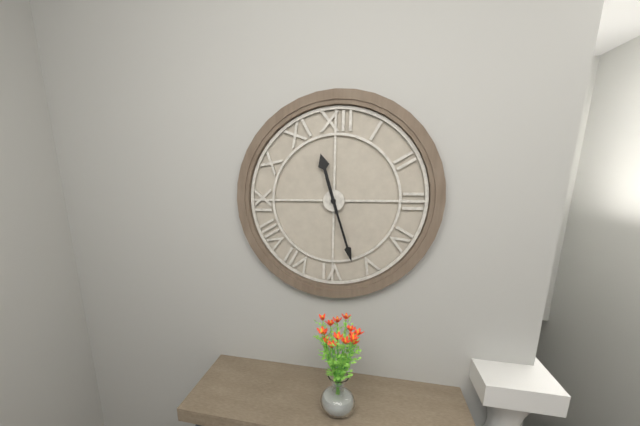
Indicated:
11,27
